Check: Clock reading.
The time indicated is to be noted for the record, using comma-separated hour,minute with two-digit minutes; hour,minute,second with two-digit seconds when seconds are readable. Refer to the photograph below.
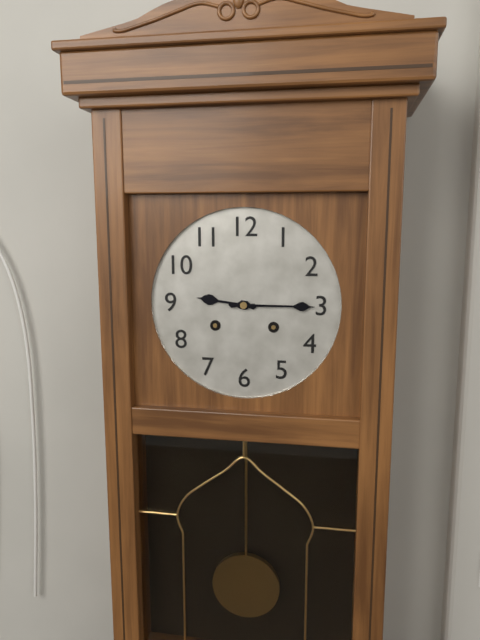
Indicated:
9,15
